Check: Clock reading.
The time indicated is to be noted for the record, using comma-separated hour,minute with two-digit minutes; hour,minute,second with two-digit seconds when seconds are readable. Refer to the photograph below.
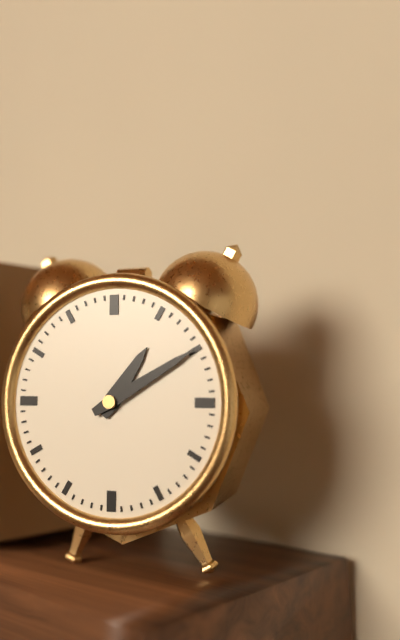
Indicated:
1,10
